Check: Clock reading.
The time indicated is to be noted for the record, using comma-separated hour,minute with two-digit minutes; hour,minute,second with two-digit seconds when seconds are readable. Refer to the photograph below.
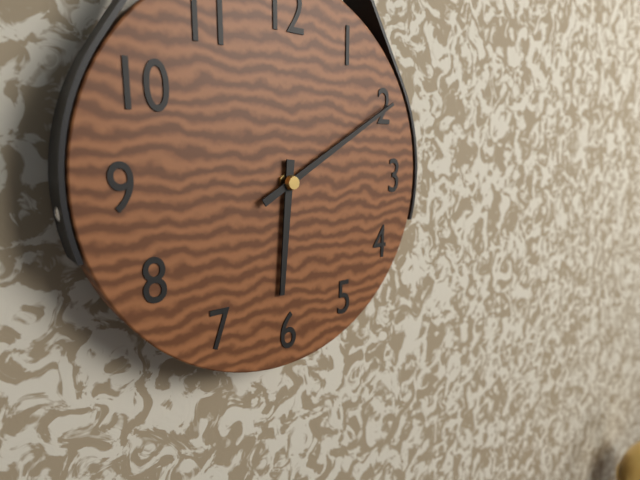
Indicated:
6,10
